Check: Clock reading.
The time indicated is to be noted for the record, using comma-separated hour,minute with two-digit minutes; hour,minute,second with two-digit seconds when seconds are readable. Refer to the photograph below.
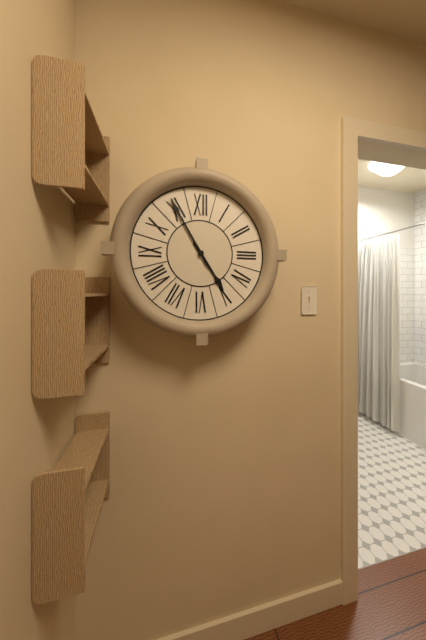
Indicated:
4,55
